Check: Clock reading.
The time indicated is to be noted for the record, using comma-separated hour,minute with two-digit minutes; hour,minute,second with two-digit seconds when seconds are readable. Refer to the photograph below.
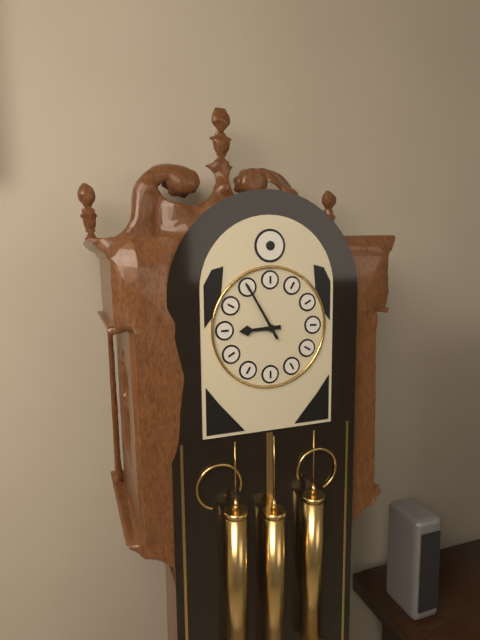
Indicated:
8,55
